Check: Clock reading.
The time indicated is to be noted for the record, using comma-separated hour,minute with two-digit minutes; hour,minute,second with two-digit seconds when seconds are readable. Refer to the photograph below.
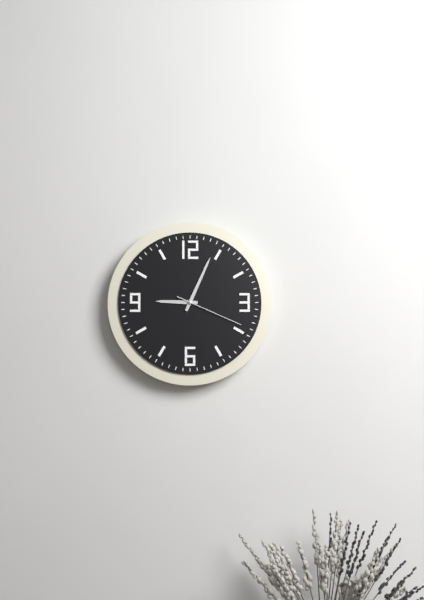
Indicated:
9,04,19
